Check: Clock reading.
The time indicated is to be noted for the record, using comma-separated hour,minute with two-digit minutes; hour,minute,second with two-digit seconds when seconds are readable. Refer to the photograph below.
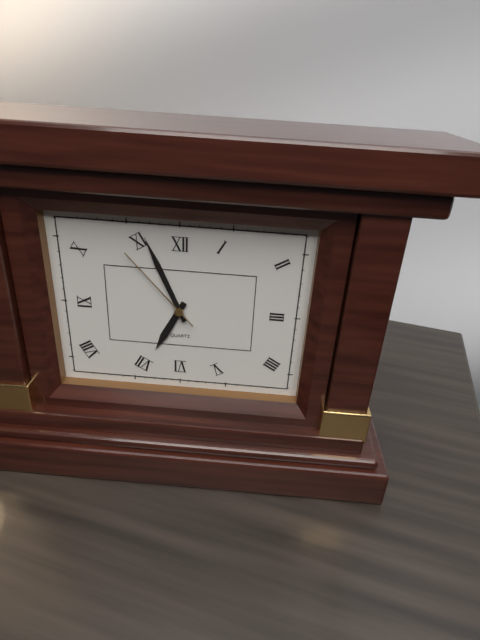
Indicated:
6,56,53
